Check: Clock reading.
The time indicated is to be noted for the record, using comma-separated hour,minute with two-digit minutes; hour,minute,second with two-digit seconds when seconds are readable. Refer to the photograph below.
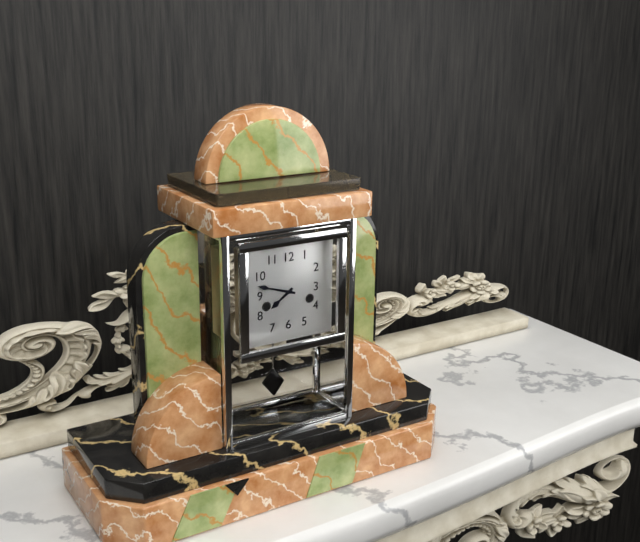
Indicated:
7,48
